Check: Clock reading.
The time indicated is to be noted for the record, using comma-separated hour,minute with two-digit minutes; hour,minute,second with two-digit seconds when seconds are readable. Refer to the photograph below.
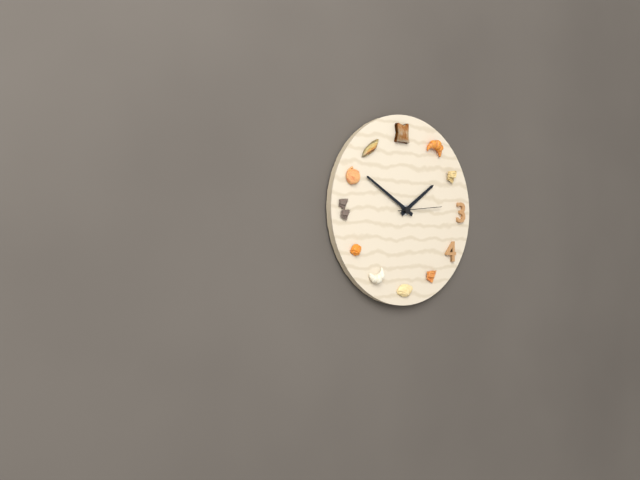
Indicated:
1,50
